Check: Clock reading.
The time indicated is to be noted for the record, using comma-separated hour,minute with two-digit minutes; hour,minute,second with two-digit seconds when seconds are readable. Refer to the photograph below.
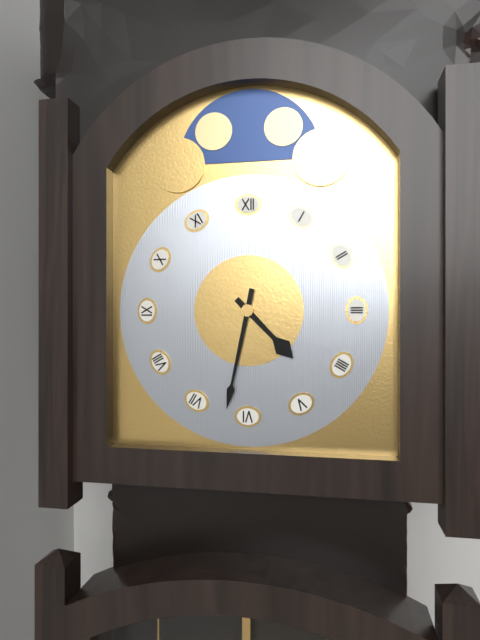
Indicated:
4,32
